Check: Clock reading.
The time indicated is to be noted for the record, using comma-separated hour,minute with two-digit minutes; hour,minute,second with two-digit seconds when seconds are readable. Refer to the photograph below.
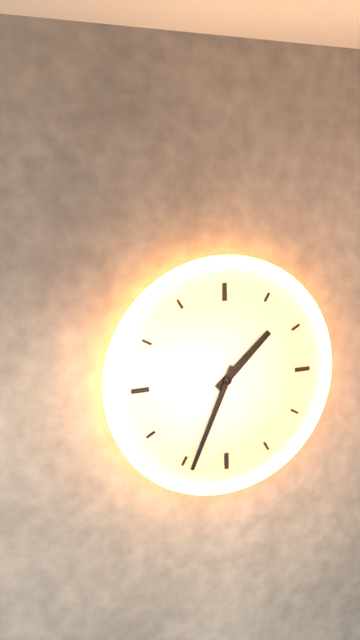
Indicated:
1,34
